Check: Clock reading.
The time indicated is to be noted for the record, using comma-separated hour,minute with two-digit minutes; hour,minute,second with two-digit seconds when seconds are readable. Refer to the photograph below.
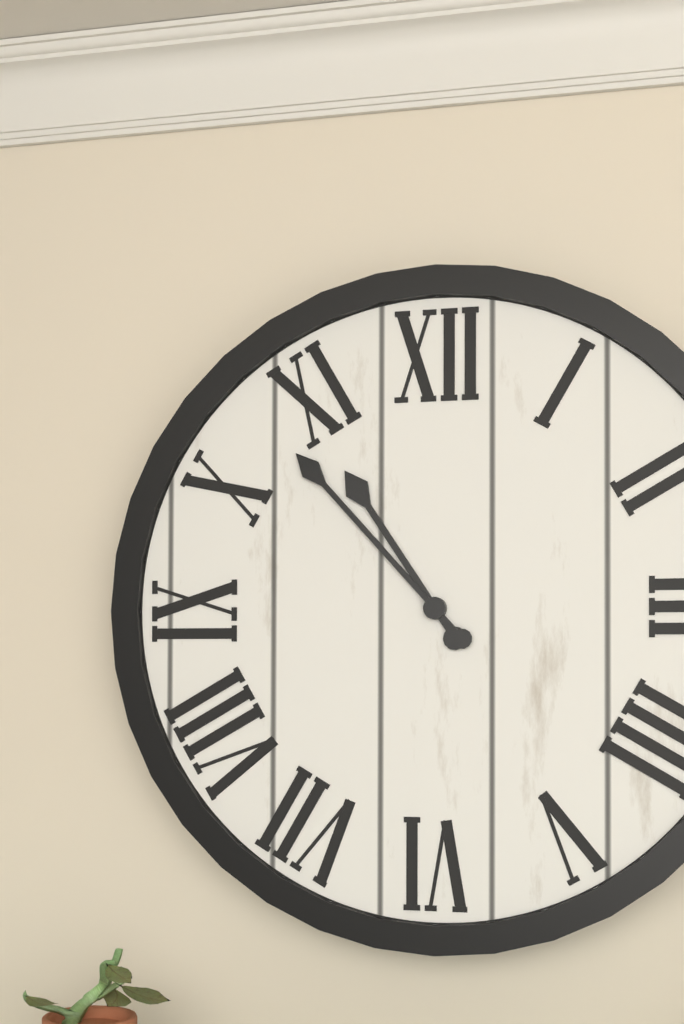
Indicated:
10,53
